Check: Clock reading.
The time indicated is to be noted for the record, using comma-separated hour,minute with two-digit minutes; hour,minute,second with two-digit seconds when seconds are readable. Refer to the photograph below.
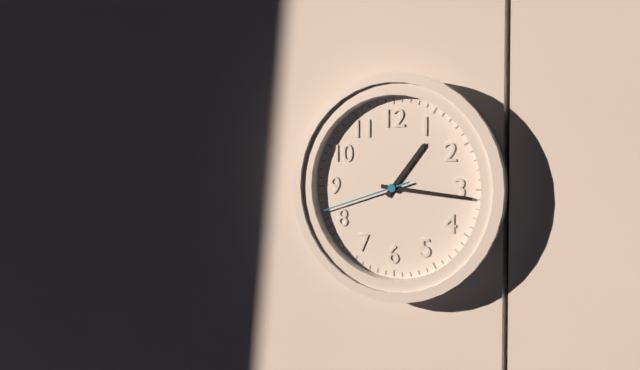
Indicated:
1,16,42
